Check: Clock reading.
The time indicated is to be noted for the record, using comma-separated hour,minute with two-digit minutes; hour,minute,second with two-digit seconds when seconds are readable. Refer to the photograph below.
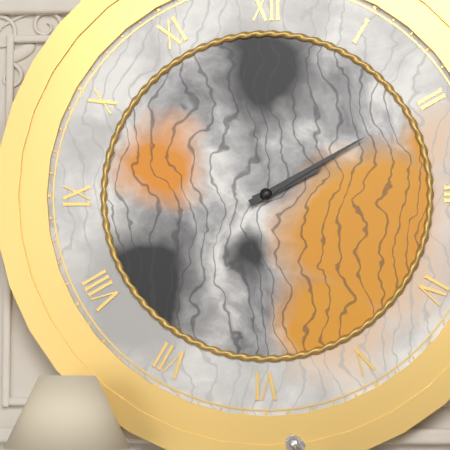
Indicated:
2,10
